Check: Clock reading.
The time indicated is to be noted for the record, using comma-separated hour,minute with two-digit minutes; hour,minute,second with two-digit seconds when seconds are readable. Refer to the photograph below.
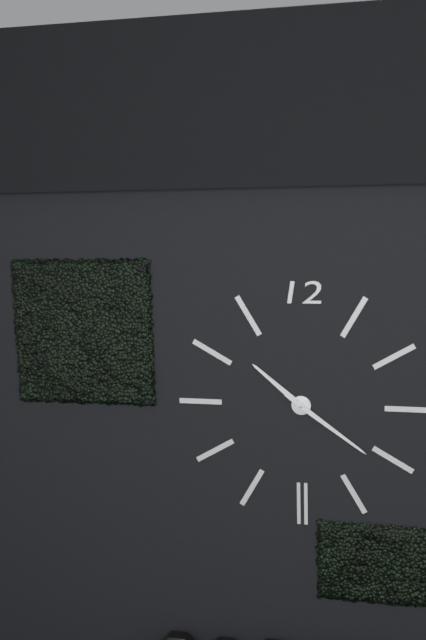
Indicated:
10,21
